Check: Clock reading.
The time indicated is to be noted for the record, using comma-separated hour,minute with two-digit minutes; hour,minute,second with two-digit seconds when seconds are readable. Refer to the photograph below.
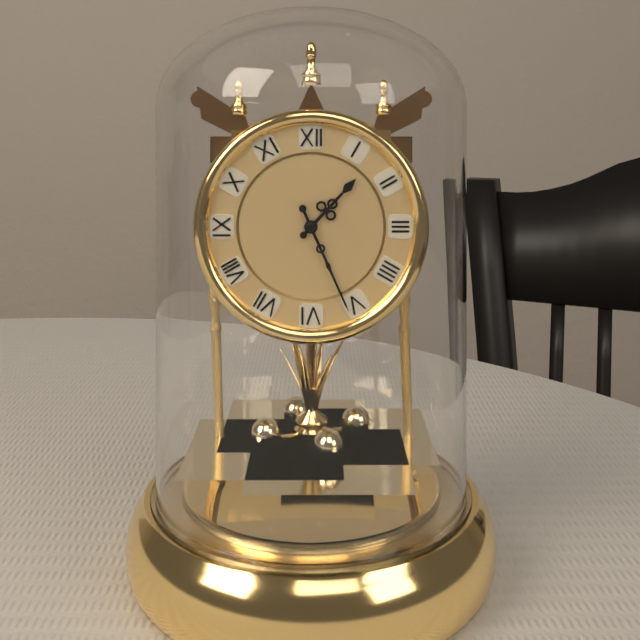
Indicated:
1,26
